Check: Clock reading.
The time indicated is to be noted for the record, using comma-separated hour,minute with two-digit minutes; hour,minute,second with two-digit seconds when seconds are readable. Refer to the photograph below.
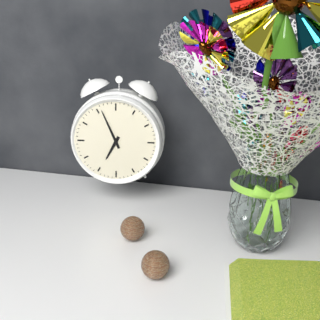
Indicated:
6,56
